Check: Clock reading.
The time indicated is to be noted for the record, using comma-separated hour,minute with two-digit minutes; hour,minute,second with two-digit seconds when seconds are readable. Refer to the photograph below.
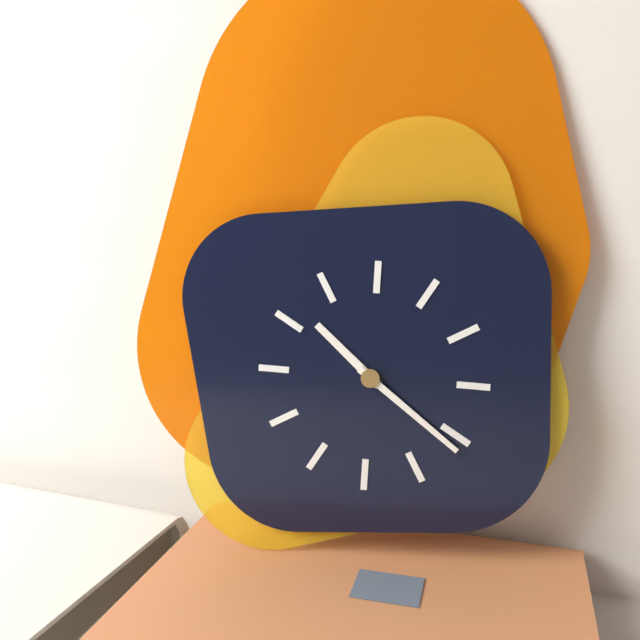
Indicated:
10,21
